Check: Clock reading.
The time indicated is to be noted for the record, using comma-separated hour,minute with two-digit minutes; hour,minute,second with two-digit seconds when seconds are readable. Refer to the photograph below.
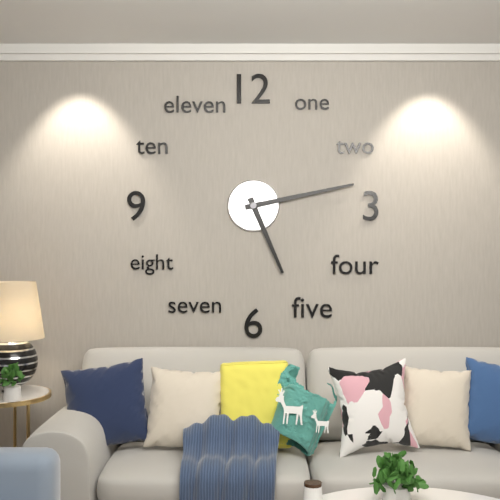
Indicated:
5,13
